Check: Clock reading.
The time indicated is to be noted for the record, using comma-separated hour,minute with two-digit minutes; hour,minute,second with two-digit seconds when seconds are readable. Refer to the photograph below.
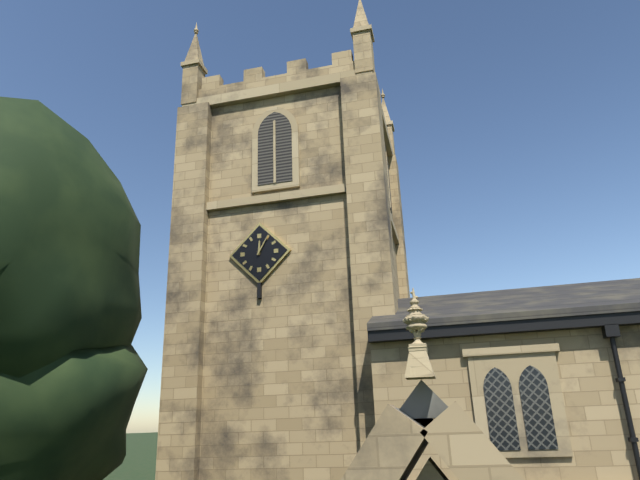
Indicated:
12,05
